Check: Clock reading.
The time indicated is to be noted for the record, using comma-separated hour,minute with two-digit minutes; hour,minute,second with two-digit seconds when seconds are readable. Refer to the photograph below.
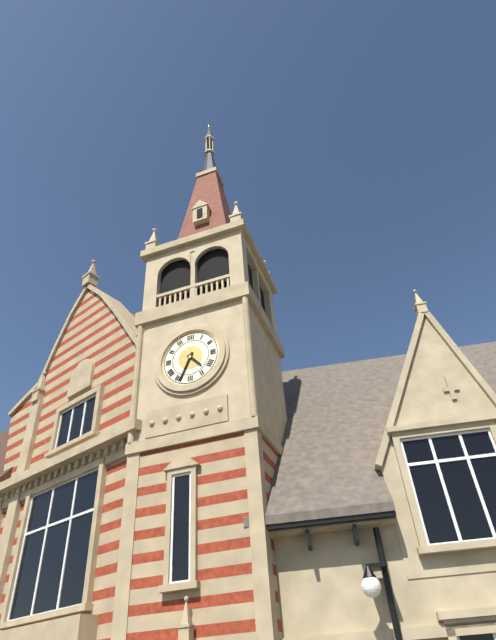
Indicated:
4,34
